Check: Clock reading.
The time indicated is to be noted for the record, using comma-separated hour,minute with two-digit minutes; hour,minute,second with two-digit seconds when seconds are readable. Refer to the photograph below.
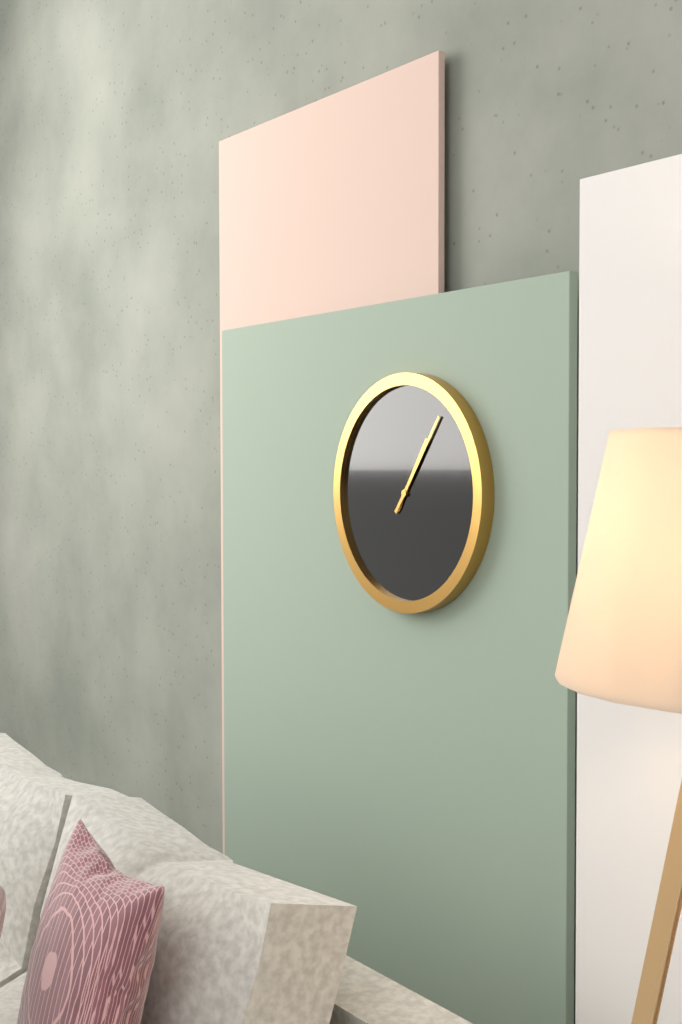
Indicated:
1,06
